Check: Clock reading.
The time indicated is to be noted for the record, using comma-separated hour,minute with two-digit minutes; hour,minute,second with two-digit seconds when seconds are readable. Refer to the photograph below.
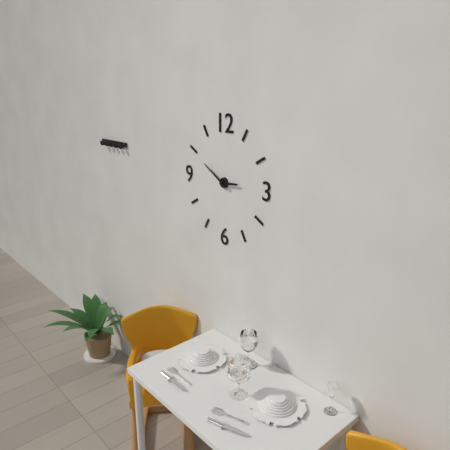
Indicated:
2,50
